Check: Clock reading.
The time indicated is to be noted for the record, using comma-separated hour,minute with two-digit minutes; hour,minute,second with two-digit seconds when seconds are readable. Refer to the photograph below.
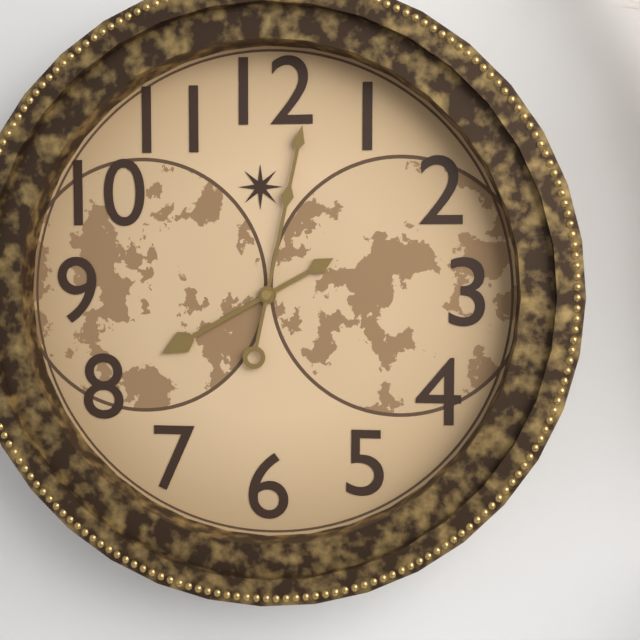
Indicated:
8,02
